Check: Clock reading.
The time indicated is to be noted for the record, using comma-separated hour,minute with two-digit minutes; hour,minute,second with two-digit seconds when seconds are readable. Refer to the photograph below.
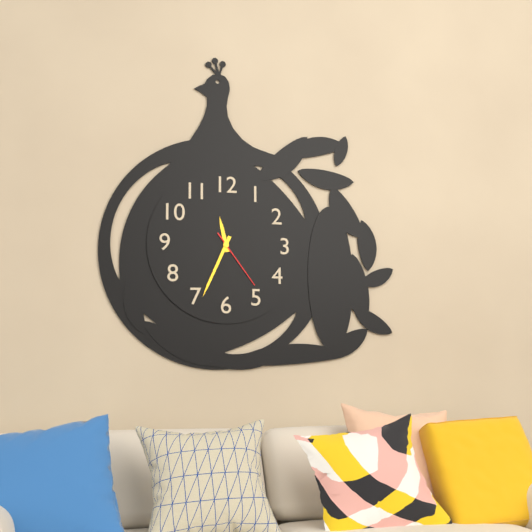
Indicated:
11,34,24
